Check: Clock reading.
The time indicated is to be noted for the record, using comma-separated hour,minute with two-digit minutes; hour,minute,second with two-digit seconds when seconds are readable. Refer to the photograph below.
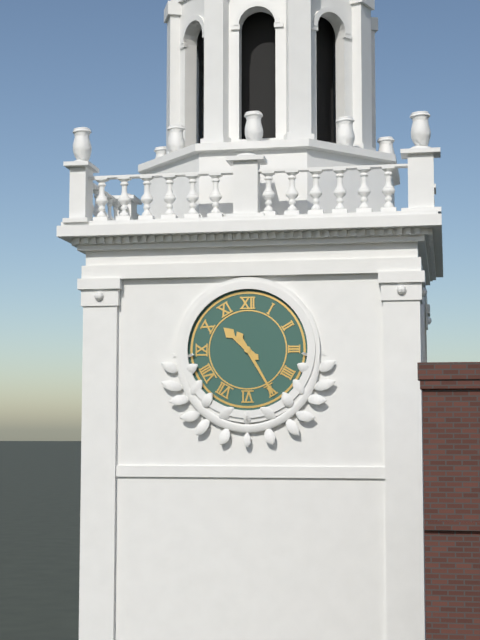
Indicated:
10,25
